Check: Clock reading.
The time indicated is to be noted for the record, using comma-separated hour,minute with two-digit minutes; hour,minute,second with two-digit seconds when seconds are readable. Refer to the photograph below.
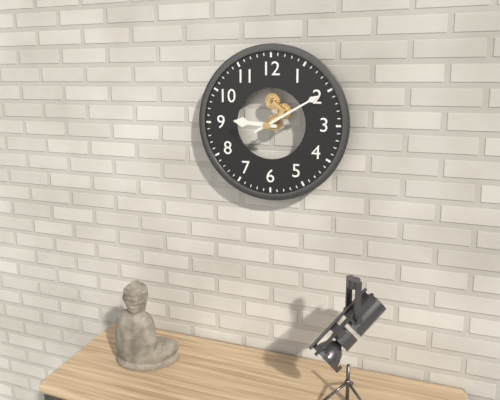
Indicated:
9,10
